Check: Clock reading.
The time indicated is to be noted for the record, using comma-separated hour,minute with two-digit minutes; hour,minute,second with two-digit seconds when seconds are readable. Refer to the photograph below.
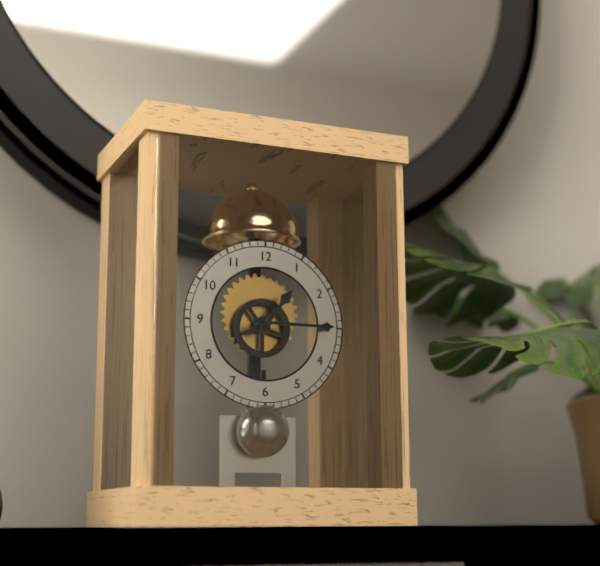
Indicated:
1,15
